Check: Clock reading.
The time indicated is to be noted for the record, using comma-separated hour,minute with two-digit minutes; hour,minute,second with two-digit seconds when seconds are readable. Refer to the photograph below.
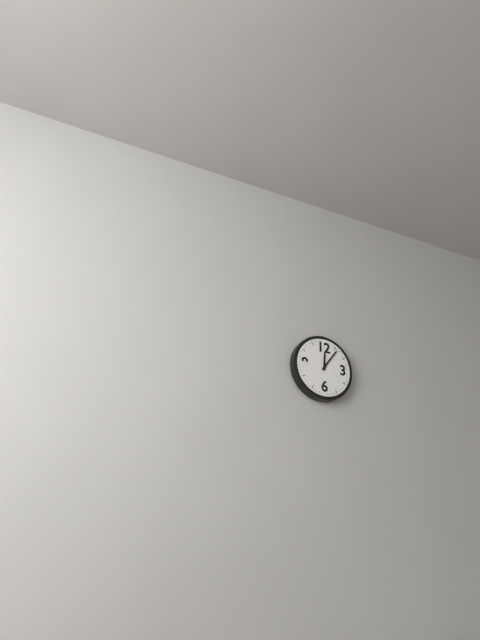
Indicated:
12,06
